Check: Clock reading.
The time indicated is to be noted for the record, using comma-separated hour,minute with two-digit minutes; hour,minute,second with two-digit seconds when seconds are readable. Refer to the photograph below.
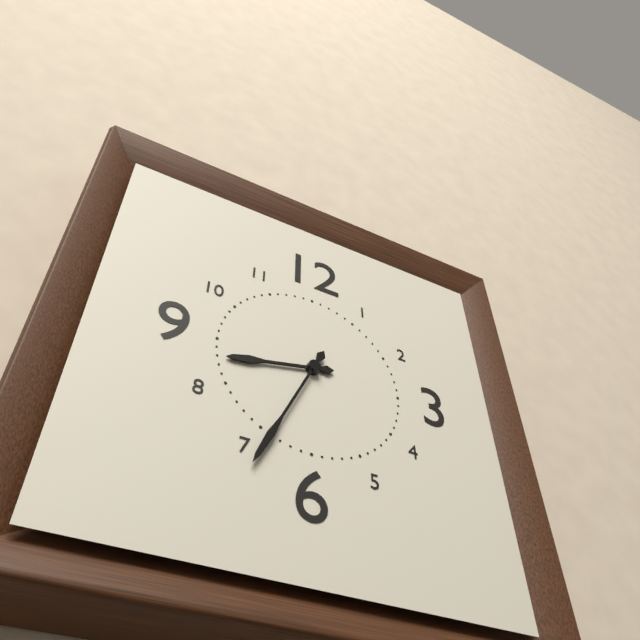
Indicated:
8,34
